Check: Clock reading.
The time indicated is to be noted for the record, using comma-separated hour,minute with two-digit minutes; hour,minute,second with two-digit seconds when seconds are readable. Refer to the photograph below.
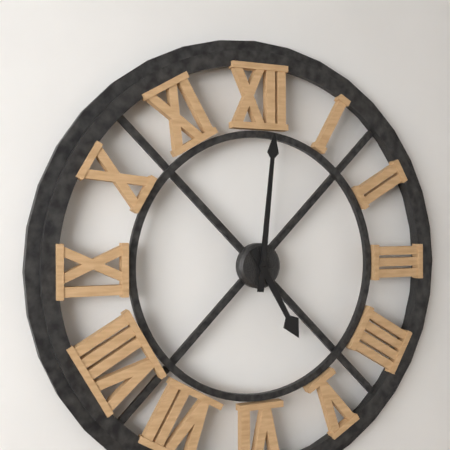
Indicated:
5,01
